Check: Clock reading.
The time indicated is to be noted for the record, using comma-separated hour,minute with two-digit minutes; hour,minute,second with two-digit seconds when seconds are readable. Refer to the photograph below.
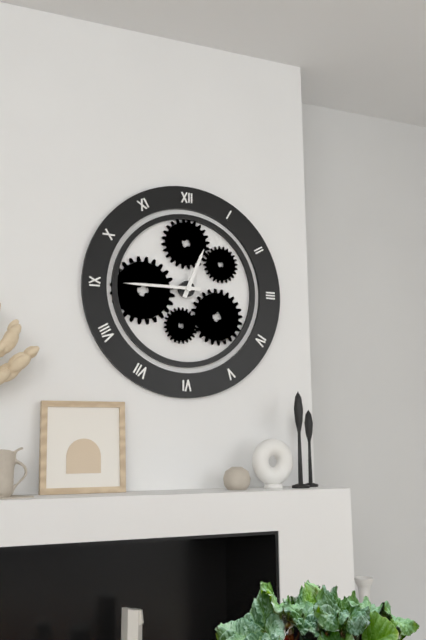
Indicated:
12,45
